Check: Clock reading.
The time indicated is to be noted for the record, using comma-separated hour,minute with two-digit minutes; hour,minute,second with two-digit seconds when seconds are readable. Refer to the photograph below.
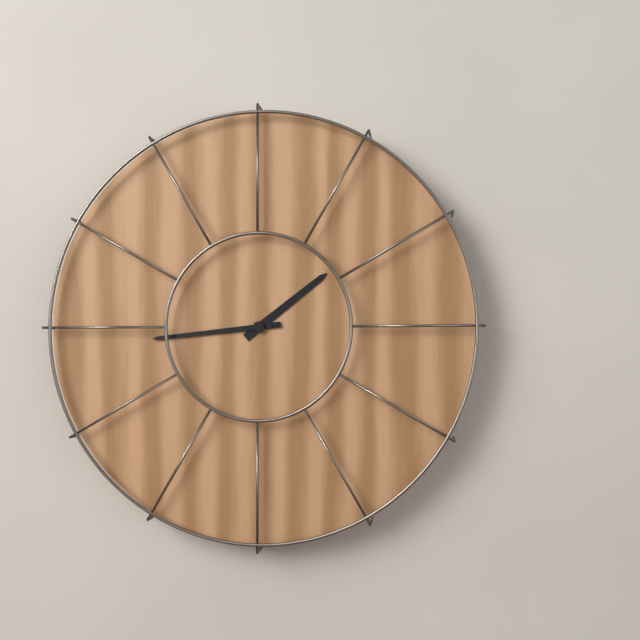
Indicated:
1,44
